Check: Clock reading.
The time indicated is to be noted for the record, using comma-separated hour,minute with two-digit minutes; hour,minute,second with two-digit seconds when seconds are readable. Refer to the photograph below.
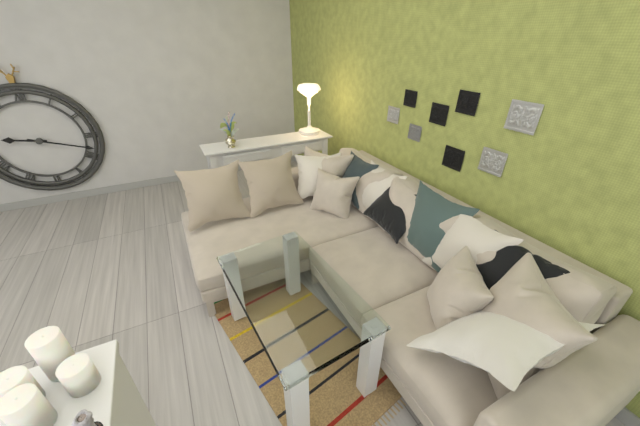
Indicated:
9,18
